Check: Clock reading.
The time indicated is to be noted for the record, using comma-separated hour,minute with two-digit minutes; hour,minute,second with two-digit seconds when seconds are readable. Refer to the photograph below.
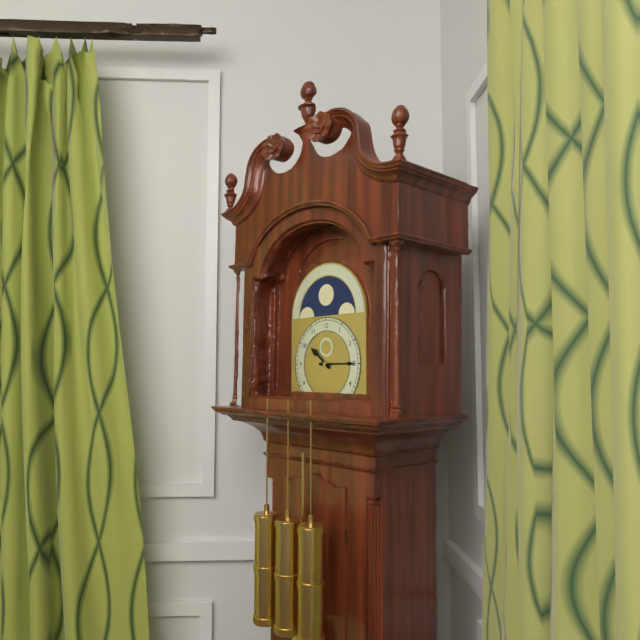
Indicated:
10,15
